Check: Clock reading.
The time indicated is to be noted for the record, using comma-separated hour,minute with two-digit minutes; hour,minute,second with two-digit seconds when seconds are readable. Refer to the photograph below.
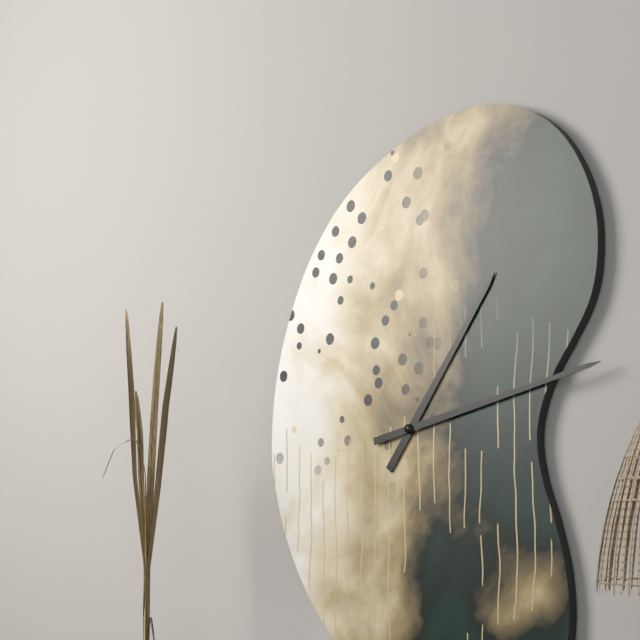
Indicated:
1,13
